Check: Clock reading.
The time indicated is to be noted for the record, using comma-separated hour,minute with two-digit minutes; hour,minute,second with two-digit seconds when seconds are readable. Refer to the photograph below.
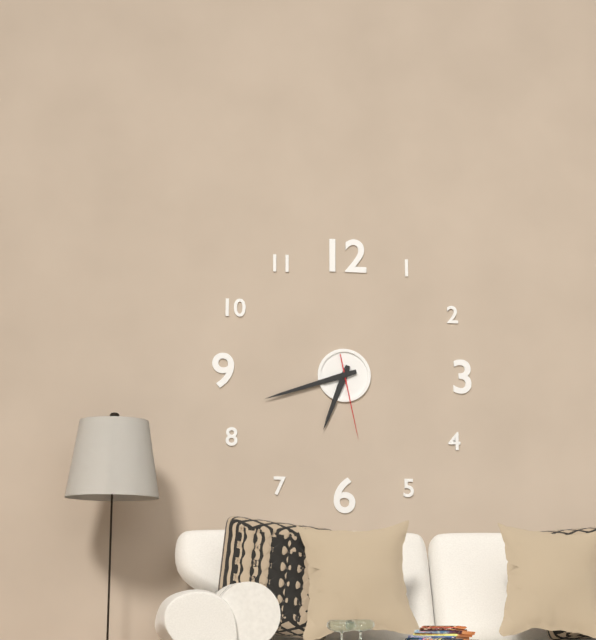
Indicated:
6,42,28
